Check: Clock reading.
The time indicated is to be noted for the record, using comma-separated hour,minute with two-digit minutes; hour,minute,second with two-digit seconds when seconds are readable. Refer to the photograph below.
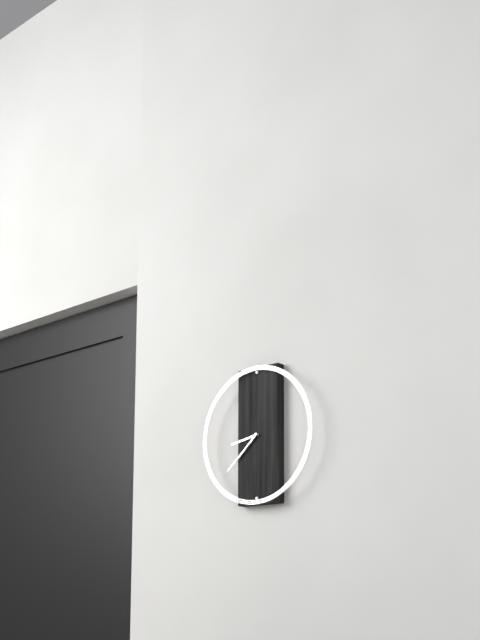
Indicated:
8,38
